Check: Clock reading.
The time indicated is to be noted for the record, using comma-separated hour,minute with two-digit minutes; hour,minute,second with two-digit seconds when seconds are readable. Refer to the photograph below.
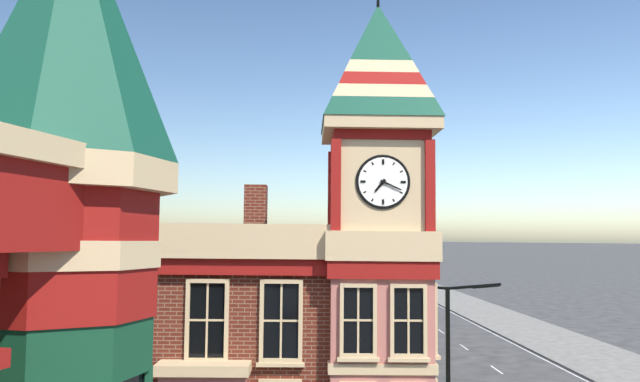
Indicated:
7,19
